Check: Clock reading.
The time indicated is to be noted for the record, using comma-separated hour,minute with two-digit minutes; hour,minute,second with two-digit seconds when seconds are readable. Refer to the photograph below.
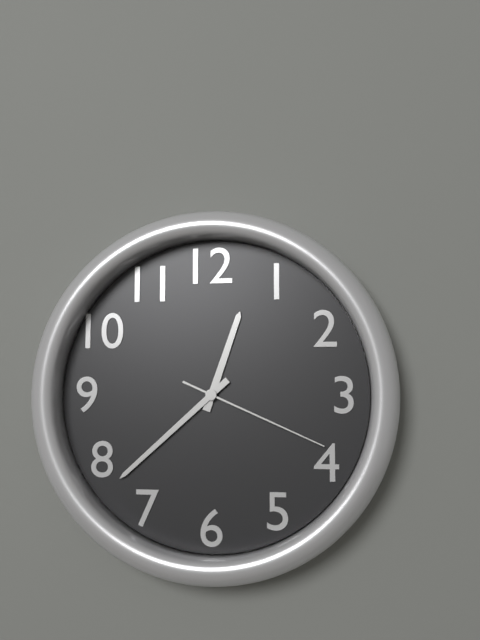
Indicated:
12,38,19
